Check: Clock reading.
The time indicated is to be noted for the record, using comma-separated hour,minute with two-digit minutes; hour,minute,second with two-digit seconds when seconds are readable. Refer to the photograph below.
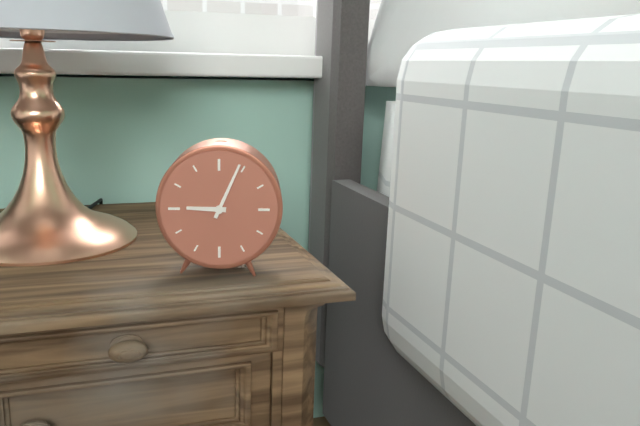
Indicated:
9,04
